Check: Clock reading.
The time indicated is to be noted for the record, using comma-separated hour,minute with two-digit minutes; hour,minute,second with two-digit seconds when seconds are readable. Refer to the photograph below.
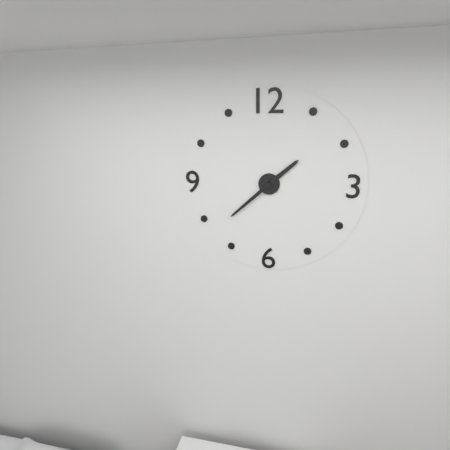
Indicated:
1,38
